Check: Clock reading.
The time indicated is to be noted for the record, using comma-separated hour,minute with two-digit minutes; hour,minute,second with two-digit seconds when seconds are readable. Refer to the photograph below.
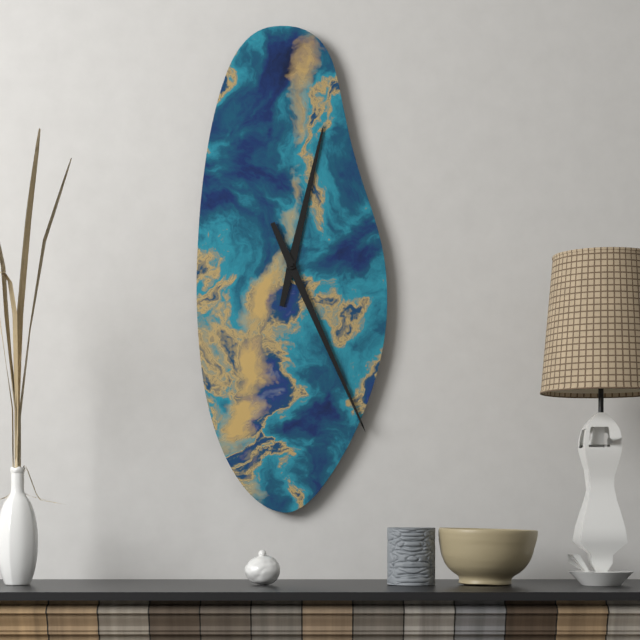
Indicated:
12,26
